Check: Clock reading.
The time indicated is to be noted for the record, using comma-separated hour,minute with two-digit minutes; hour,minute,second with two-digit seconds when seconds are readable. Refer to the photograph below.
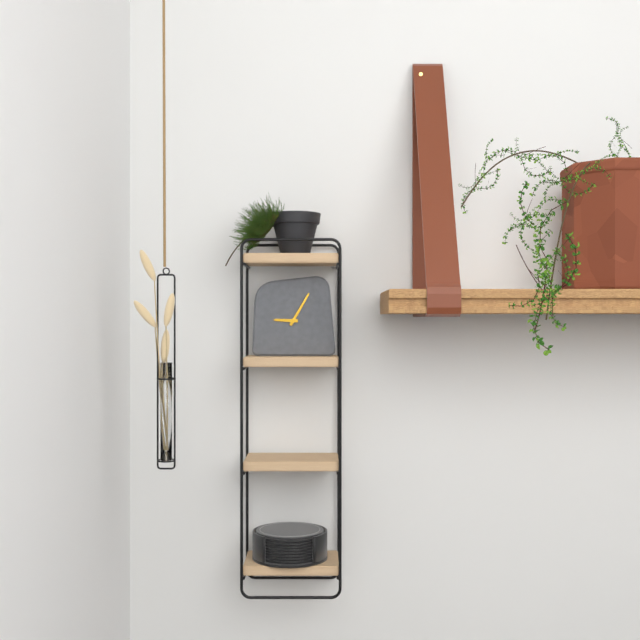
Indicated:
9,05
